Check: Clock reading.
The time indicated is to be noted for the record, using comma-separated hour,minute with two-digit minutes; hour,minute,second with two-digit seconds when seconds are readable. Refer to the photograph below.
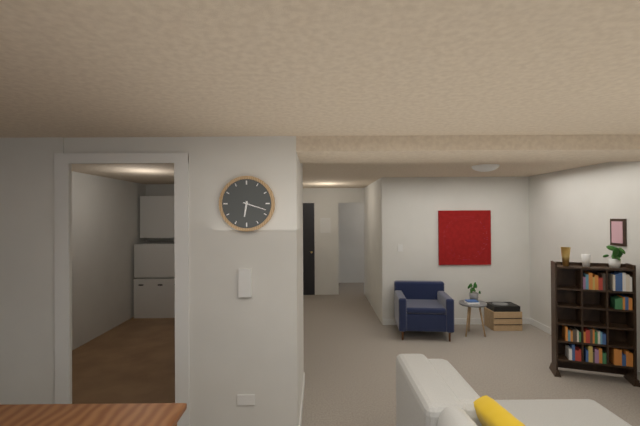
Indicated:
6,18
